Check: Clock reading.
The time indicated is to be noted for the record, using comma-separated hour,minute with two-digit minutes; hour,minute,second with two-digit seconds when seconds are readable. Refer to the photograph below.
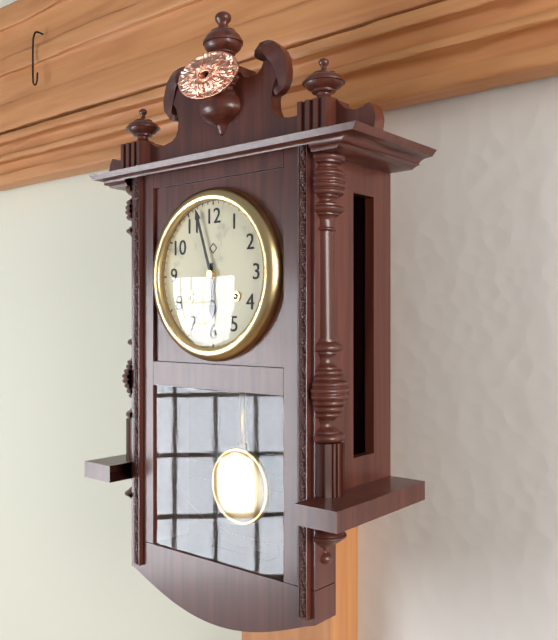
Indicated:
5,57
